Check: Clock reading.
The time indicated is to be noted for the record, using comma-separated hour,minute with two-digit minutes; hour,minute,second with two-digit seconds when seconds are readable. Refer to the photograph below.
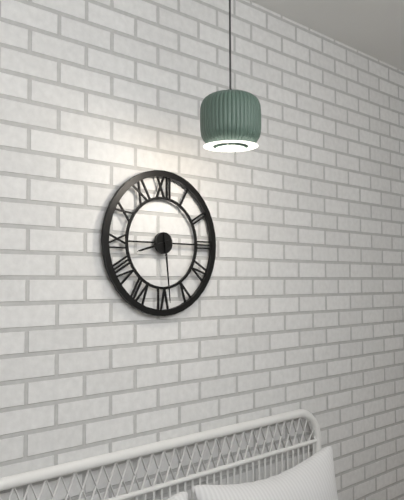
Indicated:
8,29
